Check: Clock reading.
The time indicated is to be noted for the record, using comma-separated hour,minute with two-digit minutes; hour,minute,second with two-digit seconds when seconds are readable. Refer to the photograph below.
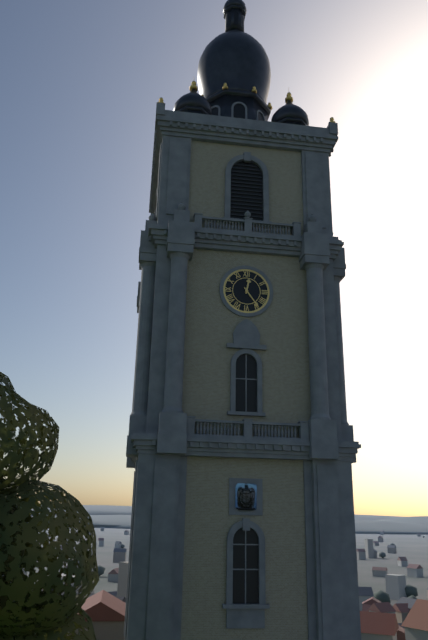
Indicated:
12,24
